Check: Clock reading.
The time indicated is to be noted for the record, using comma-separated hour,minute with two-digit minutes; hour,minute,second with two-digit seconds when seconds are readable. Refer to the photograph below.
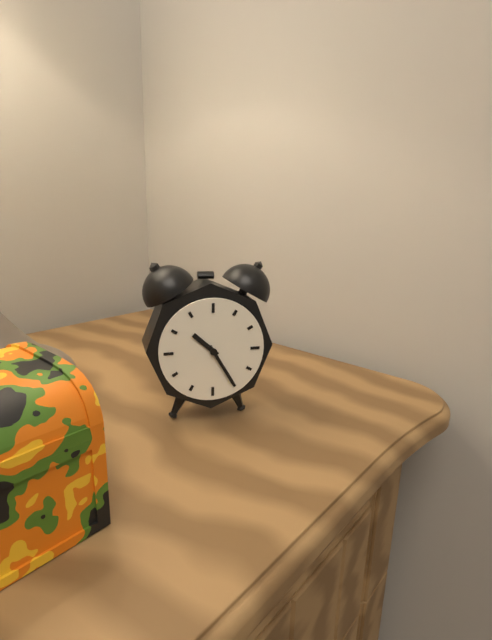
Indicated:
10,25
